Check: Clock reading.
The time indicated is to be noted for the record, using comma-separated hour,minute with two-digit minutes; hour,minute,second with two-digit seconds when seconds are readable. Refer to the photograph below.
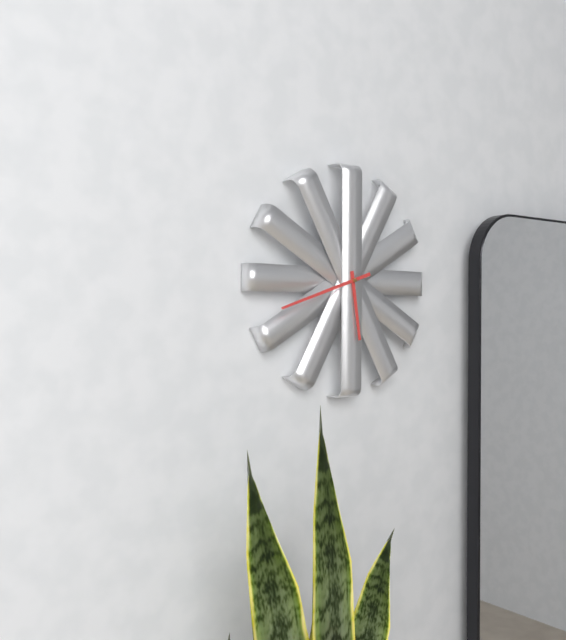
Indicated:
5,42
